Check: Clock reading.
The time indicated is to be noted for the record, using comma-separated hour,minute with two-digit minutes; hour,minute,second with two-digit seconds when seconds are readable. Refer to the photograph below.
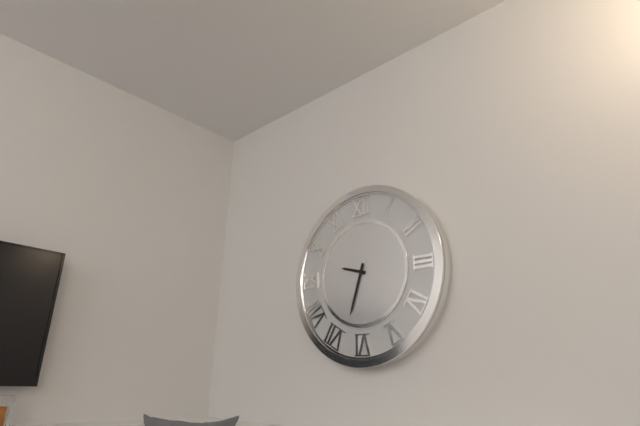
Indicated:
9,33
